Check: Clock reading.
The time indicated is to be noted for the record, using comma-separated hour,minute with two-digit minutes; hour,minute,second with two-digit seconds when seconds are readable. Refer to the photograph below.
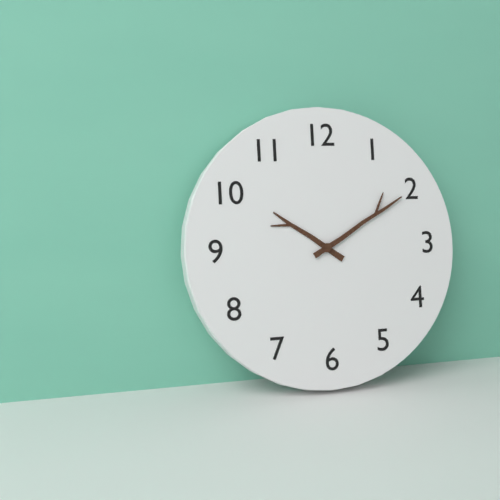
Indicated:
10,10
